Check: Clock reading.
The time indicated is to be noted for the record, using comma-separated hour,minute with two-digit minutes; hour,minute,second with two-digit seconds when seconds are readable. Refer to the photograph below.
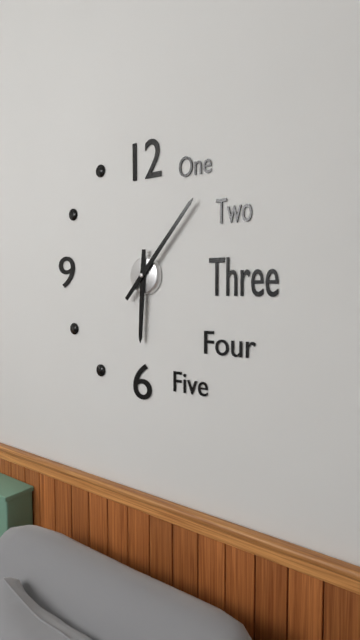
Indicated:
6,07
